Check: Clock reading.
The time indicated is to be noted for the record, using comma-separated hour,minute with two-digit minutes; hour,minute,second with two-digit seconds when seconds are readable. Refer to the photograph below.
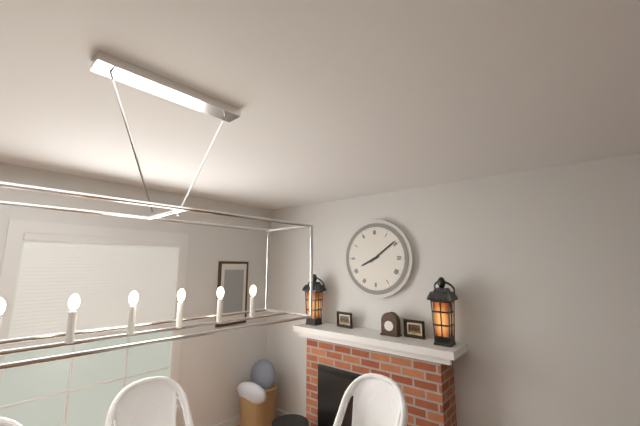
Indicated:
8,09
